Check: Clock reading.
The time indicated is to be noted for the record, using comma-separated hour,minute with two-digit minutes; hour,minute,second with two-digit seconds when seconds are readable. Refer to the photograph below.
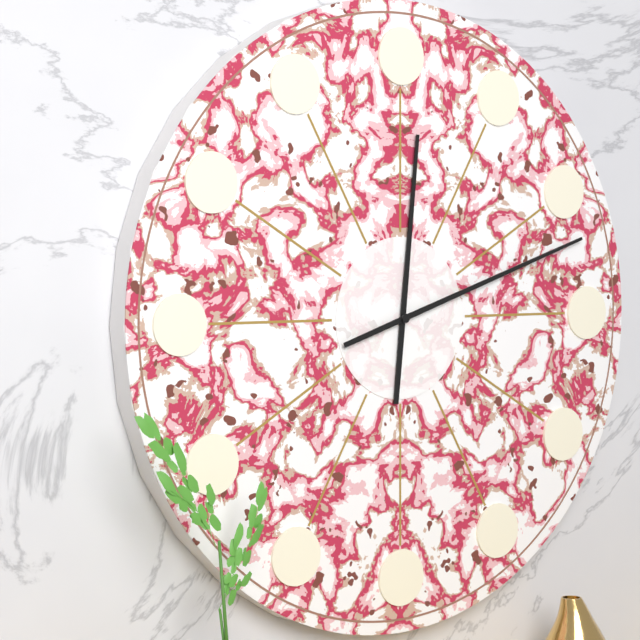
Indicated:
12,12
